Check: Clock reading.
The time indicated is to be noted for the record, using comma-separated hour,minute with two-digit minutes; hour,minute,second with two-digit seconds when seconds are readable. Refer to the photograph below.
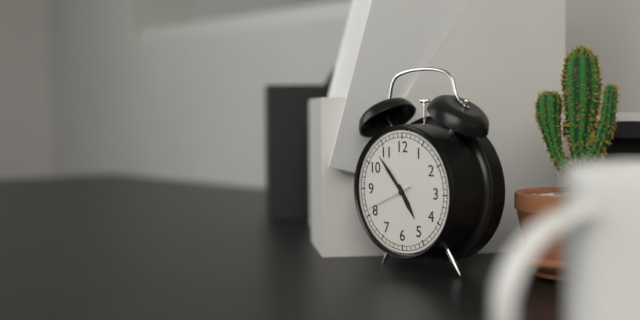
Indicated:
4,53
